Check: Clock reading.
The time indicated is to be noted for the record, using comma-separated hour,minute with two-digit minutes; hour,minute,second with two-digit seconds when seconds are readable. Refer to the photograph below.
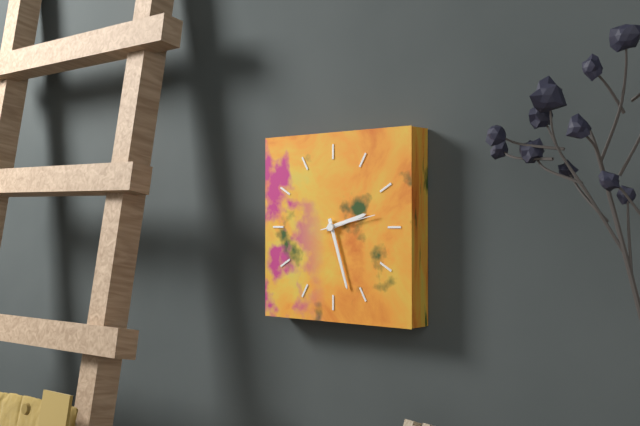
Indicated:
2,27,13
